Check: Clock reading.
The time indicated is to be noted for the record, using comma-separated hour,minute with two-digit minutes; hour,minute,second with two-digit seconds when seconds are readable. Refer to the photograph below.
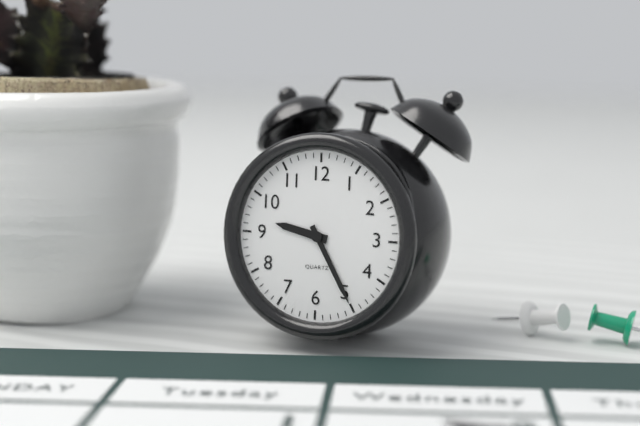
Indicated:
9,25
